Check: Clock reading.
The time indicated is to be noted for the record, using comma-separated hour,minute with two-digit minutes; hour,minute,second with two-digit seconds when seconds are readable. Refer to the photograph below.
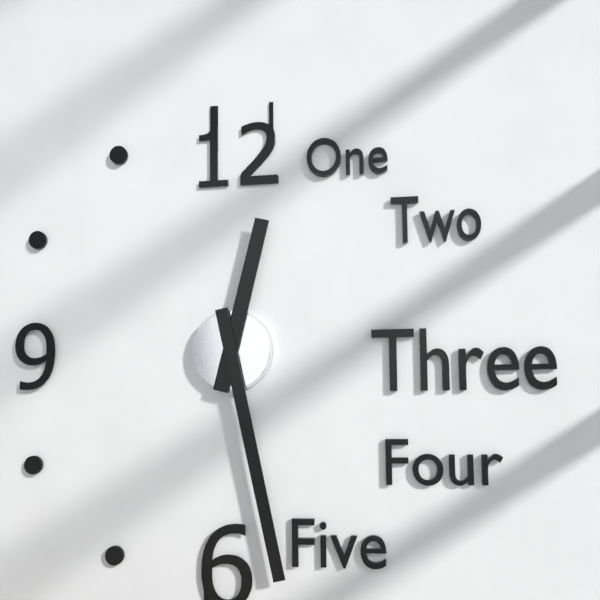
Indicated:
12,28
